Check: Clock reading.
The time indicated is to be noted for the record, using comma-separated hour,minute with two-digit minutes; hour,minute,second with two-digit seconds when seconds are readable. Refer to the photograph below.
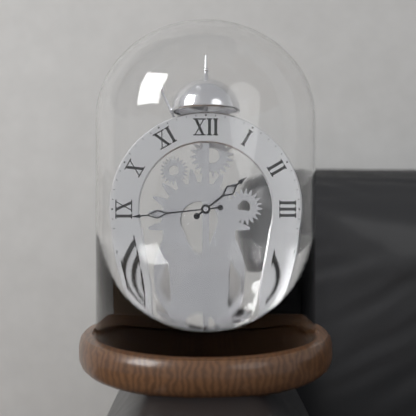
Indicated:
1,44
